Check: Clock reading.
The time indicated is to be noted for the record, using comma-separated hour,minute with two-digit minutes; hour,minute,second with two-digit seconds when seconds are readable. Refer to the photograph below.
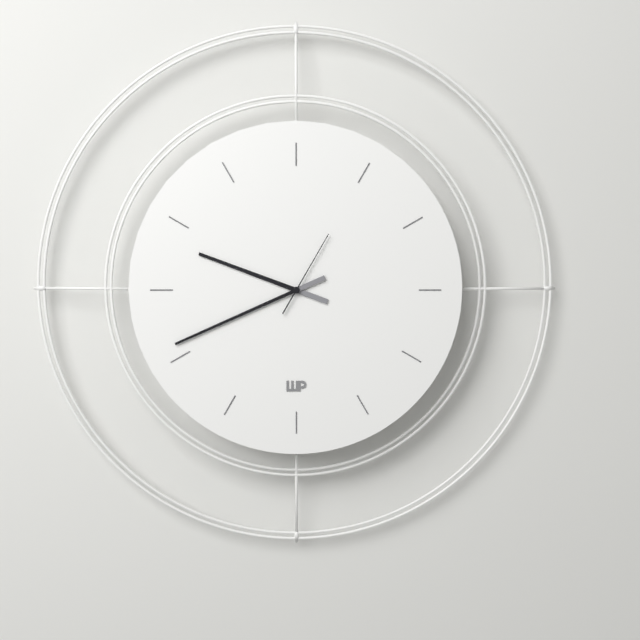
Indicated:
9,41,05
